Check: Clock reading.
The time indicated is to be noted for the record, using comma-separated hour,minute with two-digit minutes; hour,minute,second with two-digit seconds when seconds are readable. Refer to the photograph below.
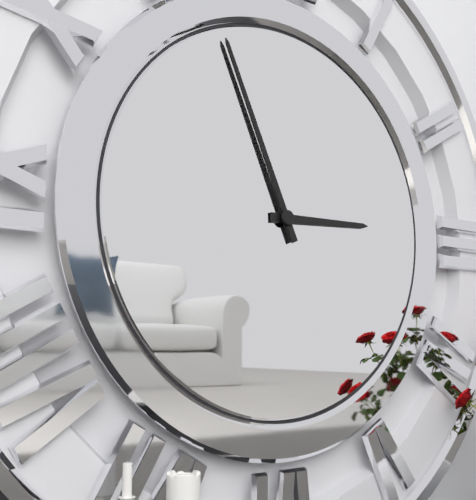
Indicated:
2,56
